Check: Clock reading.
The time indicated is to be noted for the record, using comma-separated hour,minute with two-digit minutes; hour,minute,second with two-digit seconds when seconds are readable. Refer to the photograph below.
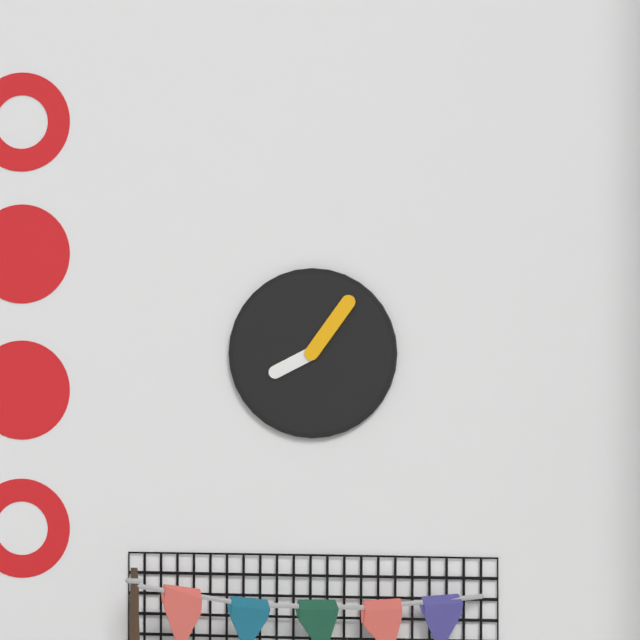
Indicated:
8,06
